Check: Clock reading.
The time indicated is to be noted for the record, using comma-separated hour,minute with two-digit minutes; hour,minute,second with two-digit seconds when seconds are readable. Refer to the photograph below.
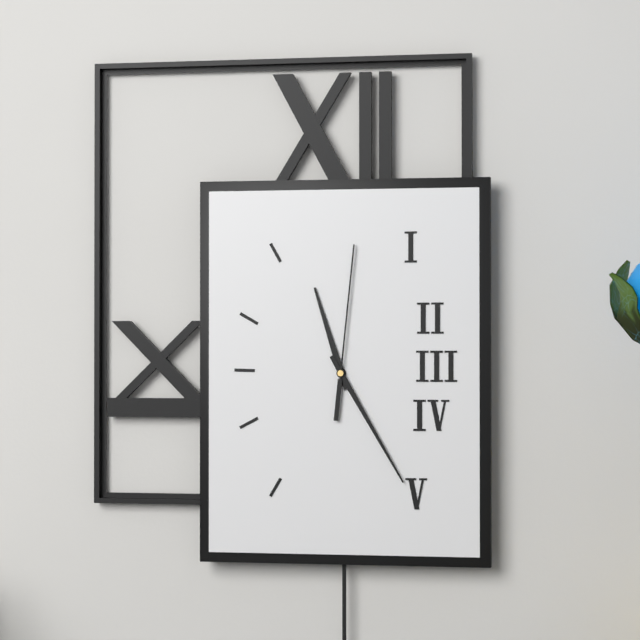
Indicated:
11,25,01
